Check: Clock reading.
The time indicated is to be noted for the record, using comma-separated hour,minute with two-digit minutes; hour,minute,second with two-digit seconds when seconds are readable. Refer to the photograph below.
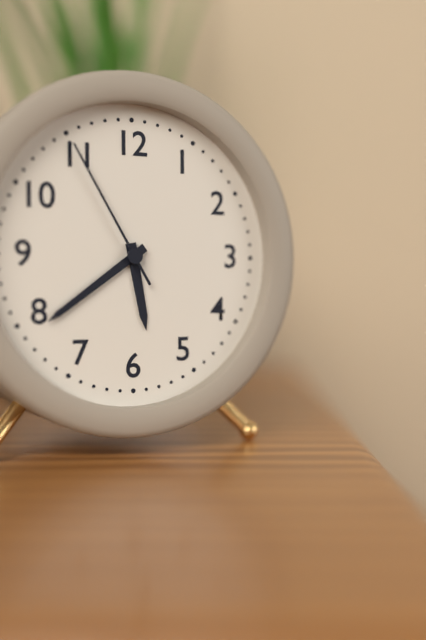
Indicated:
5,39,55
